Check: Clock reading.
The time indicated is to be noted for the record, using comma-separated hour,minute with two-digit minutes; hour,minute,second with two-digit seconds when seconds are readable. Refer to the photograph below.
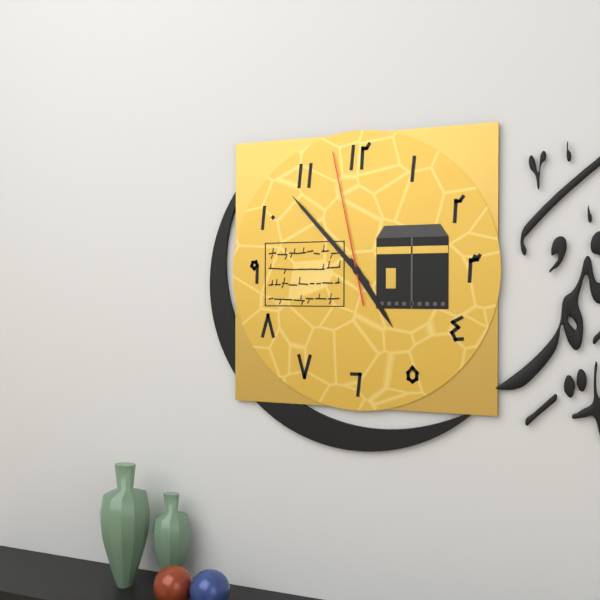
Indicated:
4,53,58
